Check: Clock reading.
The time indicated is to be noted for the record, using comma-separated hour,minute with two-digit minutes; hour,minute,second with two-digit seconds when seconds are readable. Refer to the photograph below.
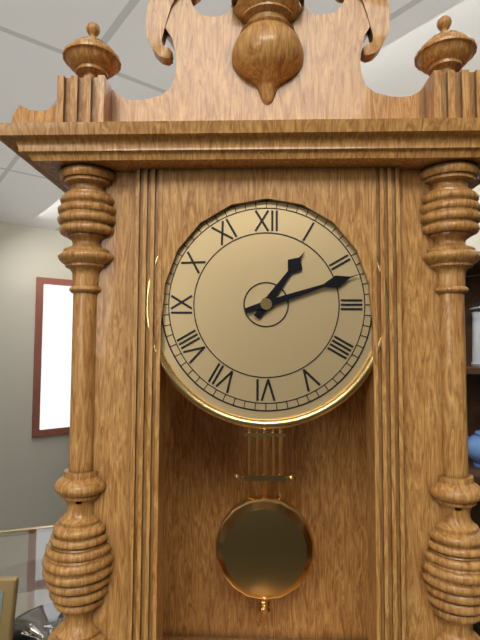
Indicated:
1,12
